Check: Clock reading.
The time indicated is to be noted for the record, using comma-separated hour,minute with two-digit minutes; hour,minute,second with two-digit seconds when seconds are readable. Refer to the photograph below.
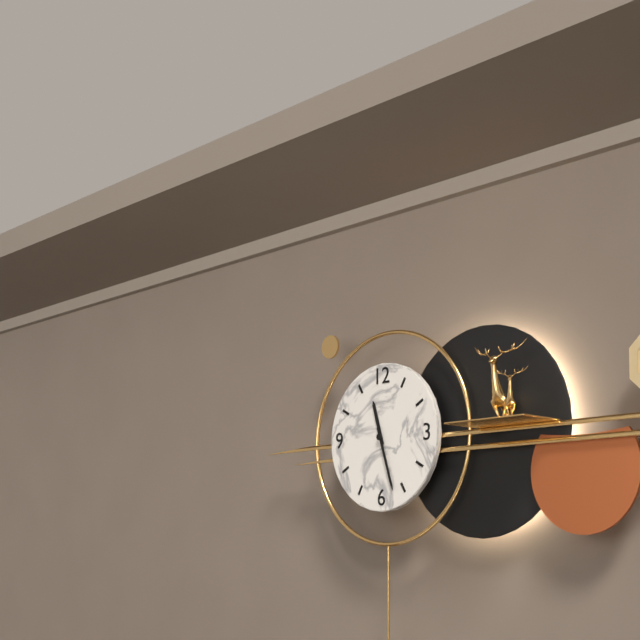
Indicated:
11,27
